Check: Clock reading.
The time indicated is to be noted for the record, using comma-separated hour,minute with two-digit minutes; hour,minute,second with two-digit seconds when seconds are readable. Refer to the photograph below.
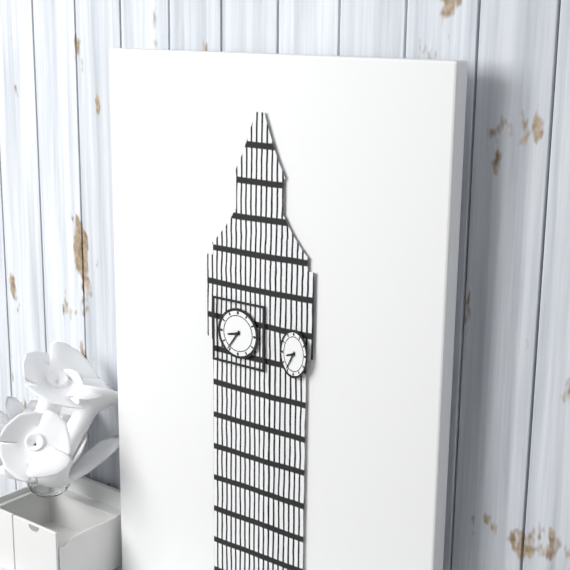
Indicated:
8,36
